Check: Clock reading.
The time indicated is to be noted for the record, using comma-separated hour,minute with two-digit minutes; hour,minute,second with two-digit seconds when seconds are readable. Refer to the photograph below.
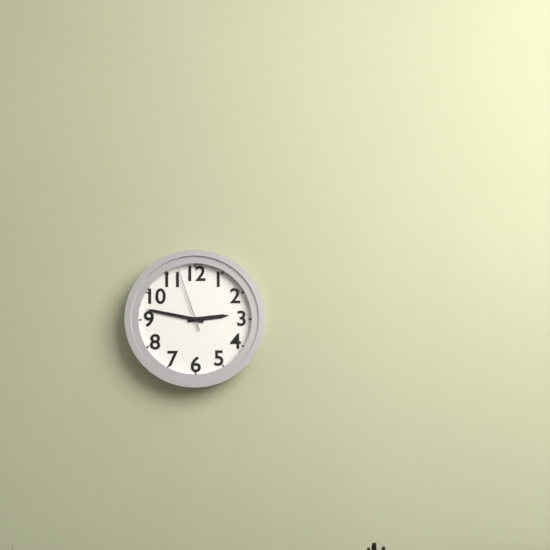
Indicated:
2,47,57
